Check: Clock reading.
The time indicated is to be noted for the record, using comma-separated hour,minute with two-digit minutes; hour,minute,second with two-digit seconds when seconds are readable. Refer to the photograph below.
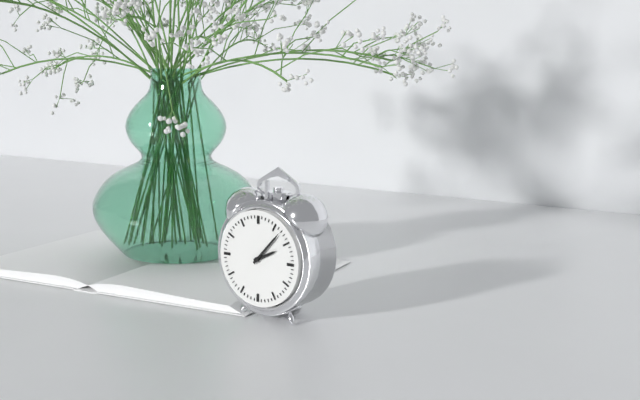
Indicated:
2,07
